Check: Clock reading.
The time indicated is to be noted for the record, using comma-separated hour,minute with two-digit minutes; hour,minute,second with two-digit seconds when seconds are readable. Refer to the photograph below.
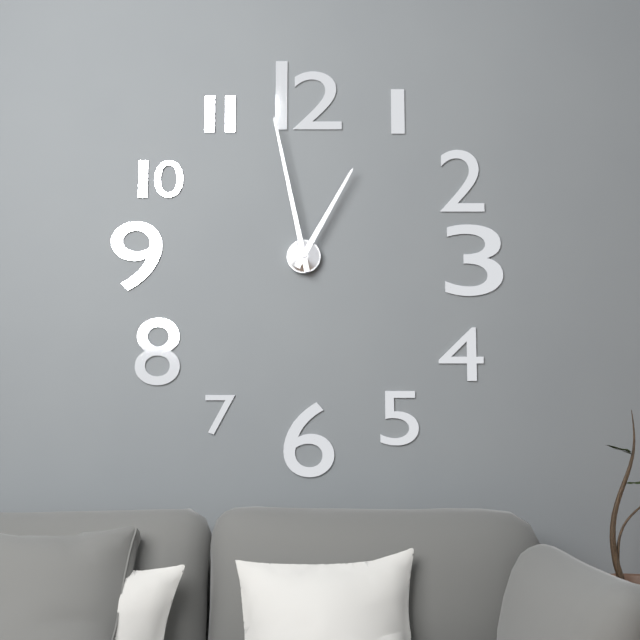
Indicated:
12,58
